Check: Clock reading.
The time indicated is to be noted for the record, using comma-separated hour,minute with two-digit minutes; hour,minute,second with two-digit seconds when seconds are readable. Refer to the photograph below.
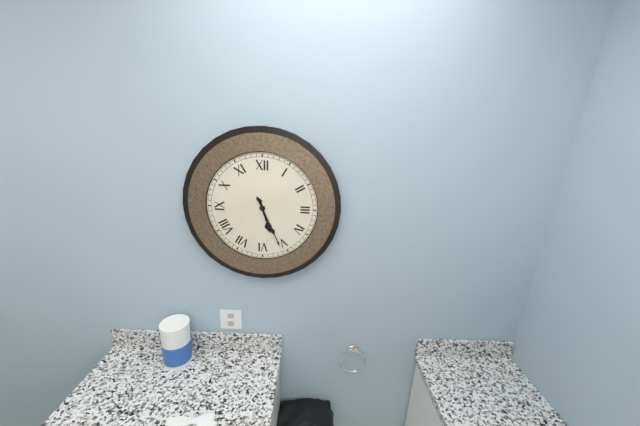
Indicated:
5,26
